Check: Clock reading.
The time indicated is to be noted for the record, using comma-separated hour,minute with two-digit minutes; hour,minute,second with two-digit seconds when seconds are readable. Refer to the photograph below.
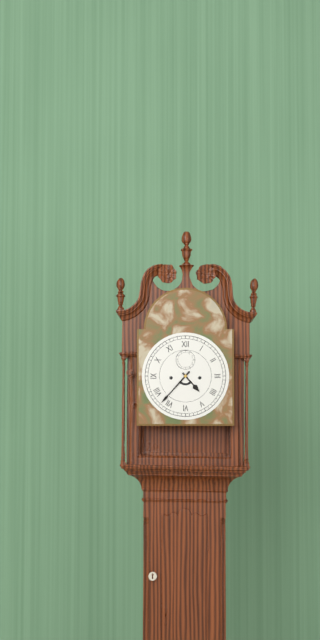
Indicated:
4,37
